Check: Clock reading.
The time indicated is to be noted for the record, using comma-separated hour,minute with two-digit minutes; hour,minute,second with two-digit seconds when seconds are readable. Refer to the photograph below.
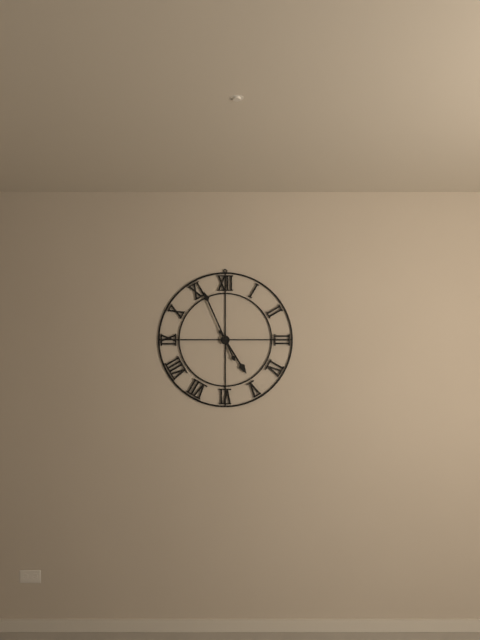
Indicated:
4,56
